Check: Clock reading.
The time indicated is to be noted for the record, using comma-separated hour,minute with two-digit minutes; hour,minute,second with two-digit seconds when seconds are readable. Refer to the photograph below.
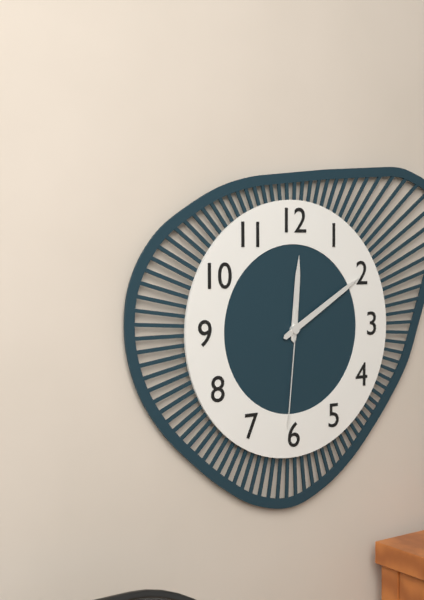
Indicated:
12,10,31
